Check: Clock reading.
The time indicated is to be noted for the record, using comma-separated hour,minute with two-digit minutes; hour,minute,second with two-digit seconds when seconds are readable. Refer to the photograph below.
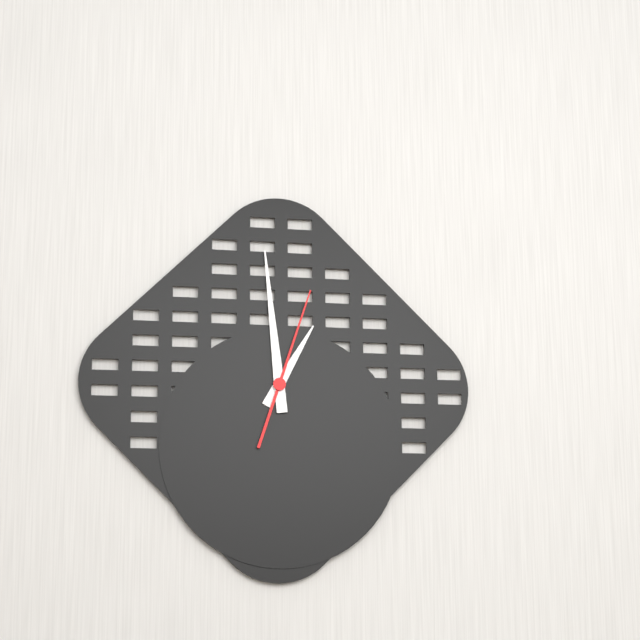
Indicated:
12,59,03
